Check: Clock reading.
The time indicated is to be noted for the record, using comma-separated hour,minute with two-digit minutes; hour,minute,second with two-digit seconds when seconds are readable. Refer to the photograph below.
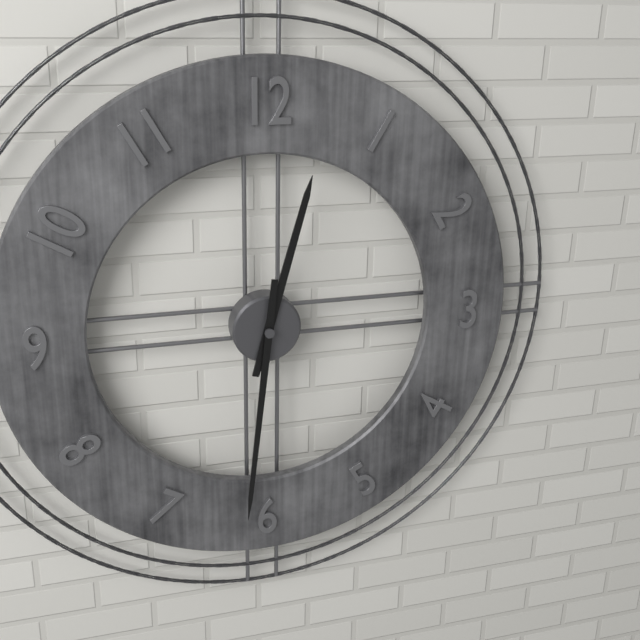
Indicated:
12,31
